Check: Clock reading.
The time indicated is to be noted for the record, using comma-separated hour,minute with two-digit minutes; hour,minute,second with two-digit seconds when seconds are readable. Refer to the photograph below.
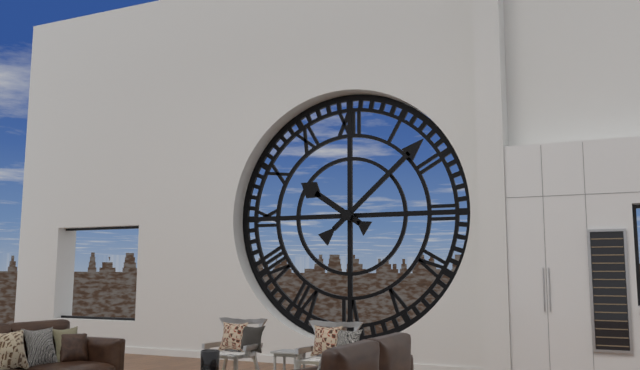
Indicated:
10,08
